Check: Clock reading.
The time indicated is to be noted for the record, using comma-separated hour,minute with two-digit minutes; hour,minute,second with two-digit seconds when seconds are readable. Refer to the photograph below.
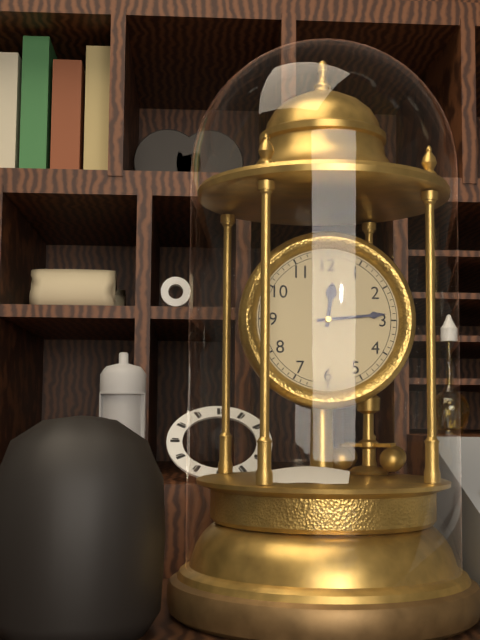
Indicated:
12,14
